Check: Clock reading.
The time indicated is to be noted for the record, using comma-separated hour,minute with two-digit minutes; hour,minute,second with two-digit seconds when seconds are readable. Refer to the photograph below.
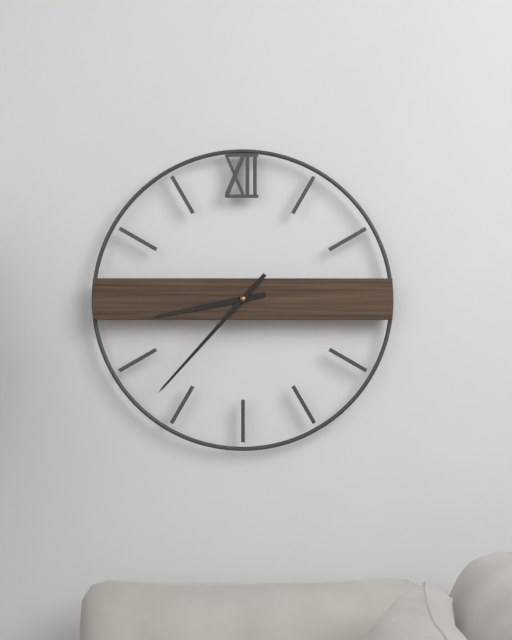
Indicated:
8,37
